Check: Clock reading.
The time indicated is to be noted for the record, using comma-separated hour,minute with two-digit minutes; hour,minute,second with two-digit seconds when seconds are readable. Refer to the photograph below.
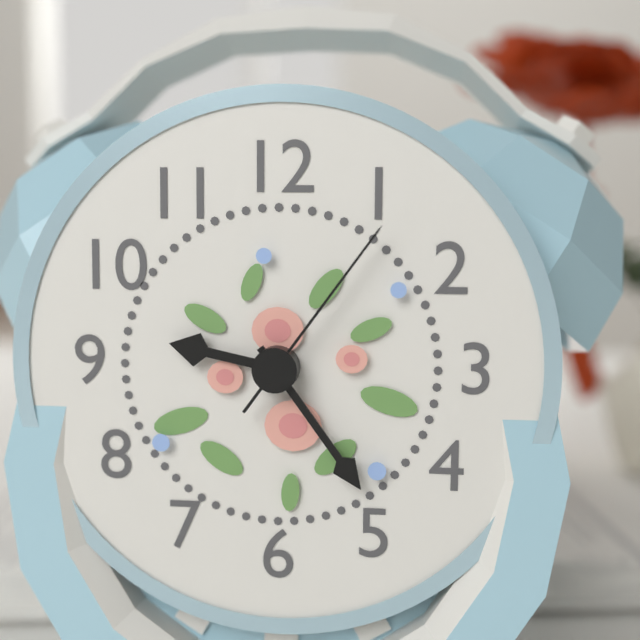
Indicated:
9,24,06
